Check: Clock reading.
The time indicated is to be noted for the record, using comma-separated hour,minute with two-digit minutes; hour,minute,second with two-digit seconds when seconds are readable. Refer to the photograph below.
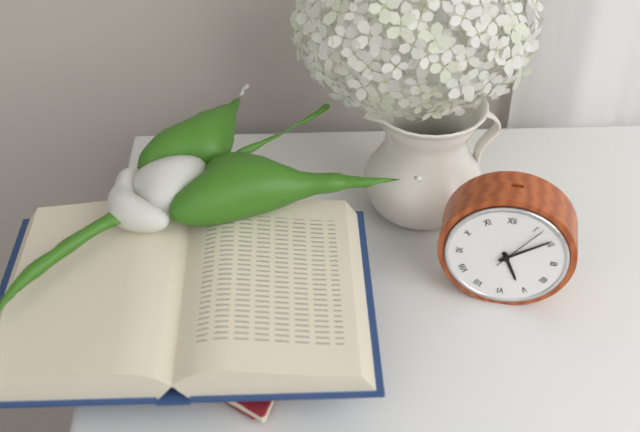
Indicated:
5,09,06
